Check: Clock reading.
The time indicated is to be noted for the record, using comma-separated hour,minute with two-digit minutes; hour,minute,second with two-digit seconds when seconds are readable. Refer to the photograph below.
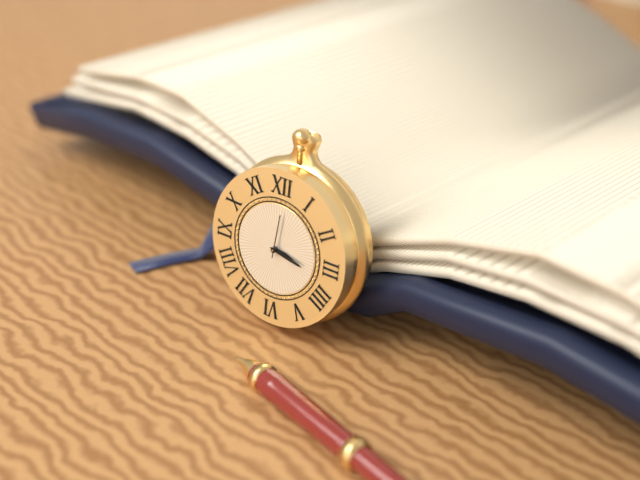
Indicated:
3,17
